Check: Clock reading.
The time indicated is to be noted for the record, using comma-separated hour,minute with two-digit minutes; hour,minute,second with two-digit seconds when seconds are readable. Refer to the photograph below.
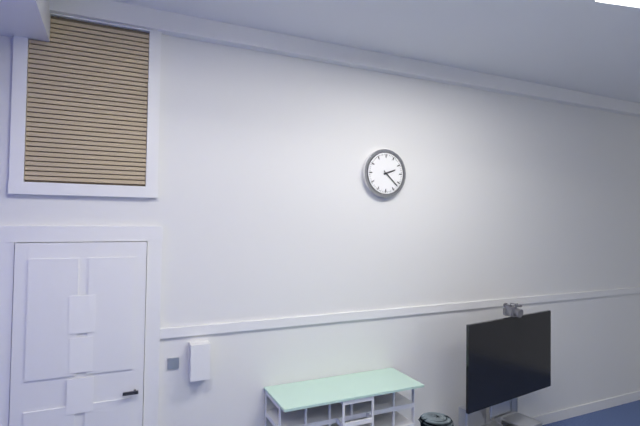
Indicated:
2,22
